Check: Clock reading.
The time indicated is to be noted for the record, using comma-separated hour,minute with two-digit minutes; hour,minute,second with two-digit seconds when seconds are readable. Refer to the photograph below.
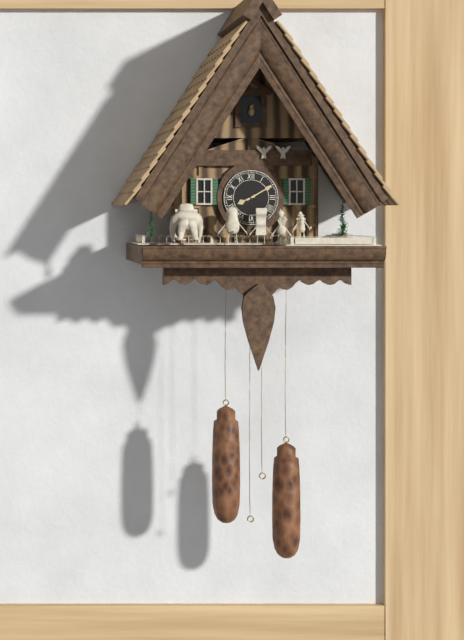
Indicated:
8,10
